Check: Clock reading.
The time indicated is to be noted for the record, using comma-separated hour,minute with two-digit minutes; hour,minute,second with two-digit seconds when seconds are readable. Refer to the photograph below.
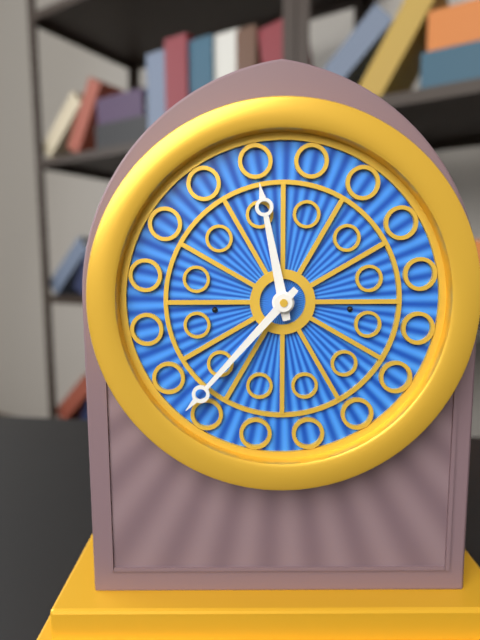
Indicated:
11,37
